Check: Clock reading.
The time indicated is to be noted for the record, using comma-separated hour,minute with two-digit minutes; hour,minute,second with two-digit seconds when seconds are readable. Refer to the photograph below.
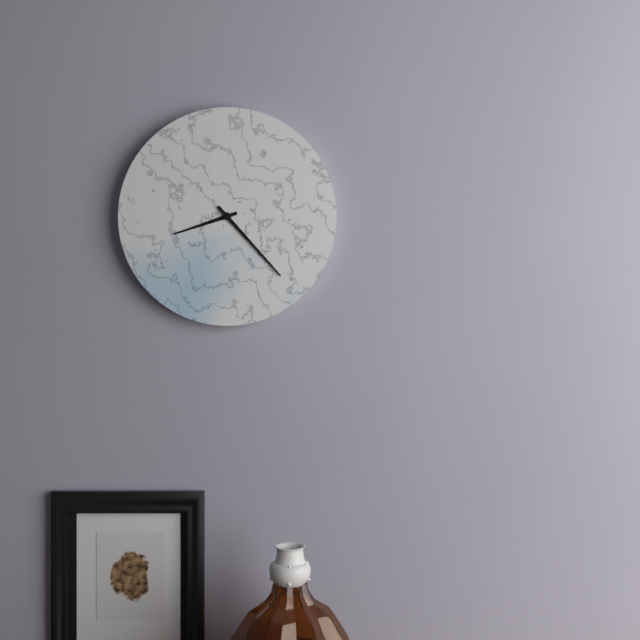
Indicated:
8,23
